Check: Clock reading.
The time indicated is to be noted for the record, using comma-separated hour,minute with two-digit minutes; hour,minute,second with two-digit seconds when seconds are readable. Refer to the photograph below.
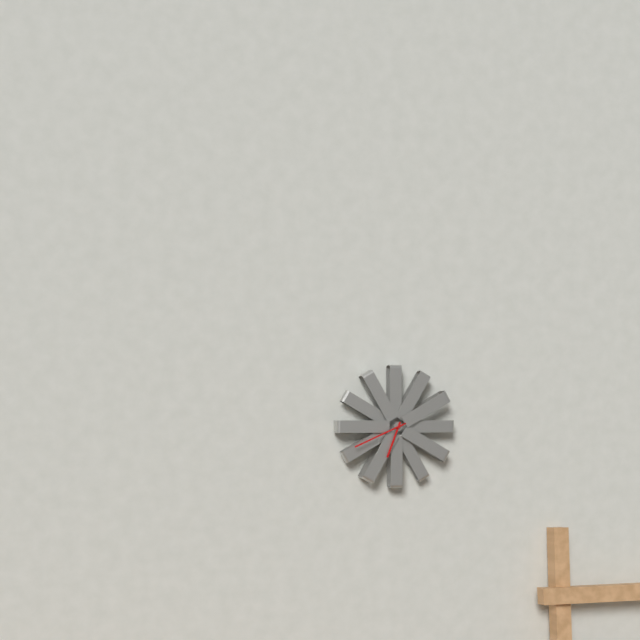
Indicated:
6,41
